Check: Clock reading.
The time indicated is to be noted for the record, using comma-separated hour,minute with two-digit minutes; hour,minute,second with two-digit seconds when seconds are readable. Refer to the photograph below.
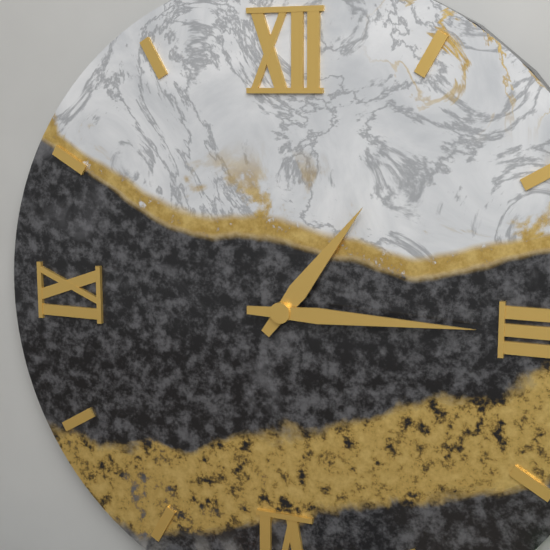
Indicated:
1,15
